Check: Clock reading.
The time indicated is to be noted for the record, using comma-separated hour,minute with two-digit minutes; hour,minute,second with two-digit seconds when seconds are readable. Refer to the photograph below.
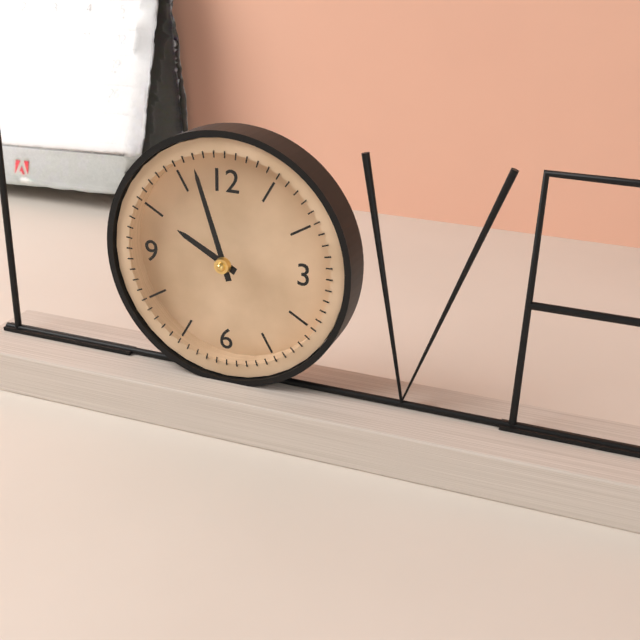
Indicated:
9,57
